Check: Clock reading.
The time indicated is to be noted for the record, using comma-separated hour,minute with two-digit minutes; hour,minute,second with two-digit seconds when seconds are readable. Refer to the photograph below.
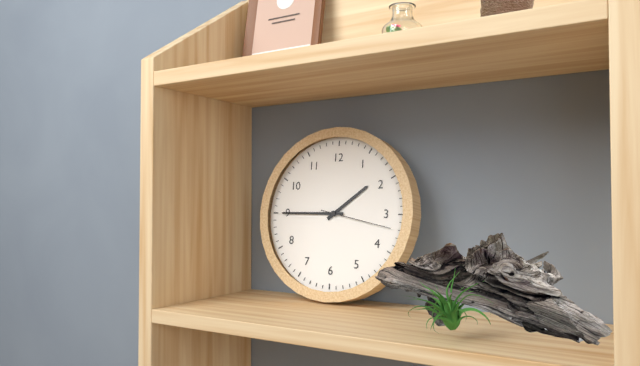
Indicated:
1,45,17
